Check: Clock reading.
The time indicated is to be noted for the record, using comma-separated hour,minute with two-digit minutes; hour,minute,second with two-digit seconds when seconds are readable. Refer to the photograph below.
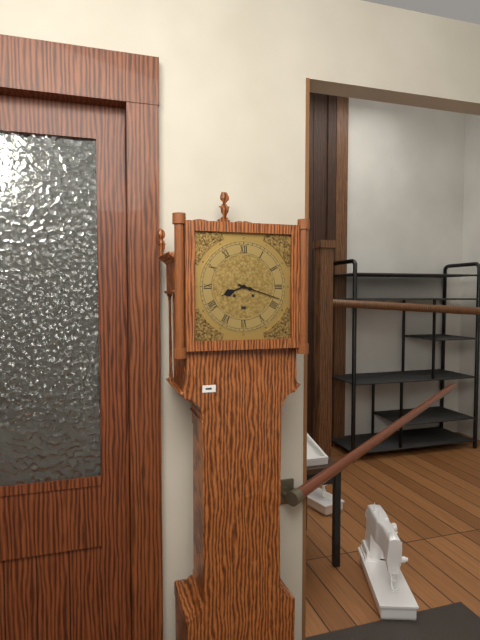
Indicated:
8,18
